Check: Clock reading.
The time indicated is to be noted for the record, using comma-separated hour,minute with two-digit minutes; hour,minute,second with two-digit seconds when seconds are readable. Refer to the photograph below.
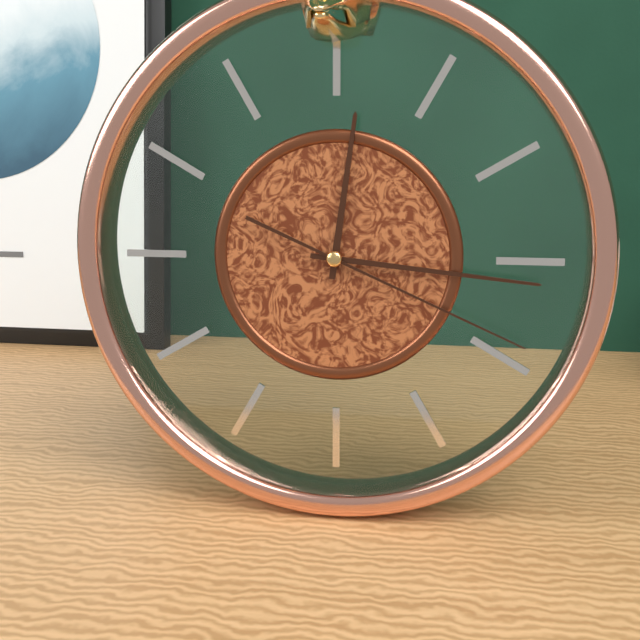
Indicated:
12,16,19
